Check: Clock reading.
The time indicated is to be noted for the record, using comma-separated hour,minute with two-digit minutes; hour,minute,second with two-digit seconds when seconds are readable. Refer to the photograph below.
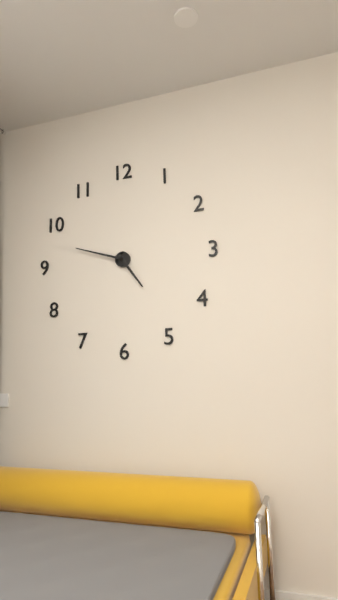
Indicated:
4,48
